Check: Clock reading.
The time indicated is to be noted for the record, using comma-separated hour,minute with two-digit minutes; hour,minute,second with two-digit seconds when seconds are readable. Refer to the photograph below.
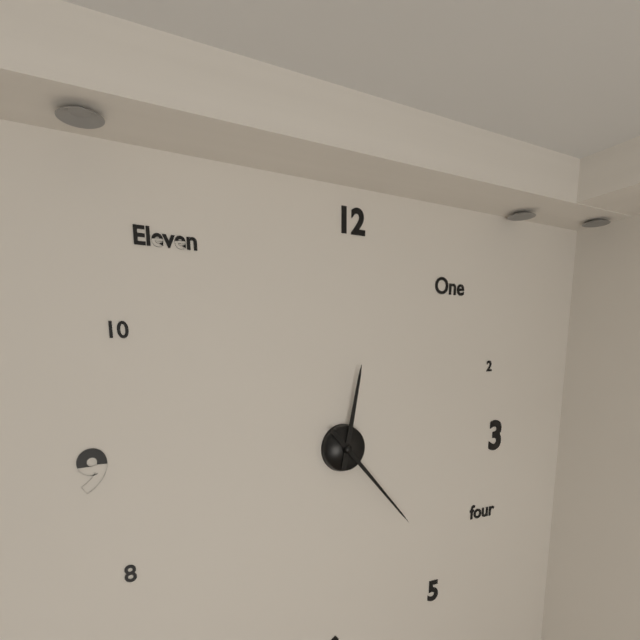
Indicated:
12,23
